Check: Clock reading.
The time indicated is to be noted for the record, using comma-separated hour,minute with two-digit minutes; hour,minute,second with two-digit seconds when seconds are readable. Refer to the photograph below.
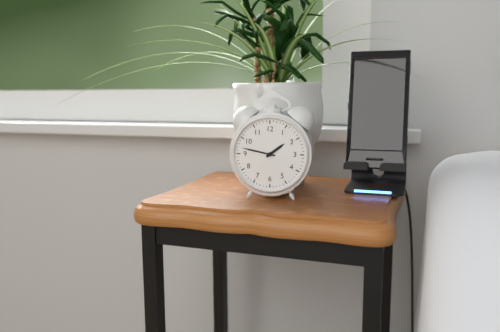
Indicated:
1,47
